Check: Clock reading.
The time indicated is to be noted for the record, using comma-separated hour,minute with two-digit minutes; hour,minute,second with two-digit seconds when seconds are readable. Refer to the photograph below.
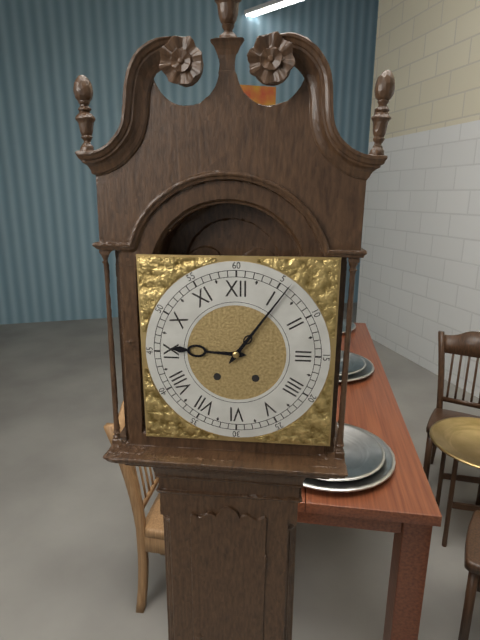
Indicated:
9,06
